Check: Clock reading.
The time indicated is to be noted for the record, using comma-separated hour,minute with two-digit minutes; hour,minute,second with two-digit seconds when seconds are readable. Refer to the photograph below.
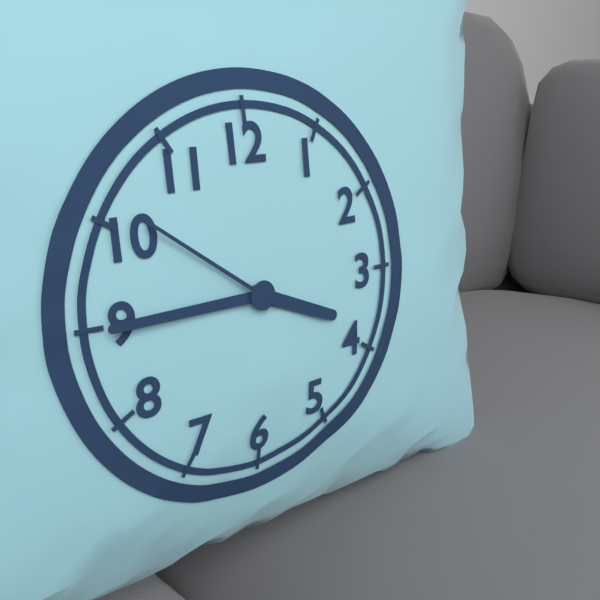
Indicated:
3,45,51
